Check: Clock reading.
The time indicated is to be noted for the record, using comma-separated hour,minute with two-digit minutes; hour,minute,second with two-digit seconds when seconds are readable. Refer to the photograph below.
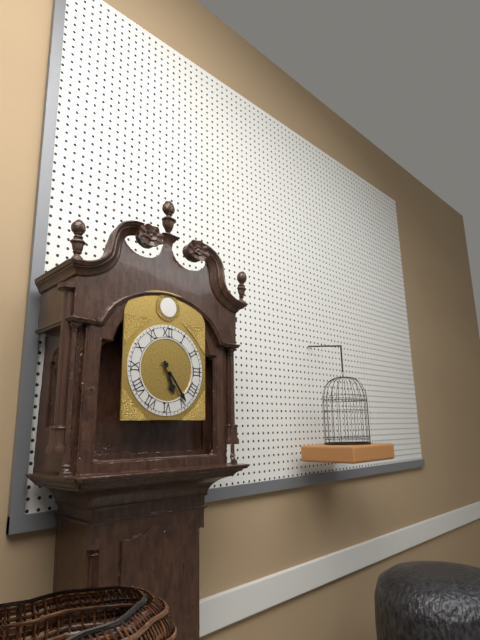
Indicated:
5,24
